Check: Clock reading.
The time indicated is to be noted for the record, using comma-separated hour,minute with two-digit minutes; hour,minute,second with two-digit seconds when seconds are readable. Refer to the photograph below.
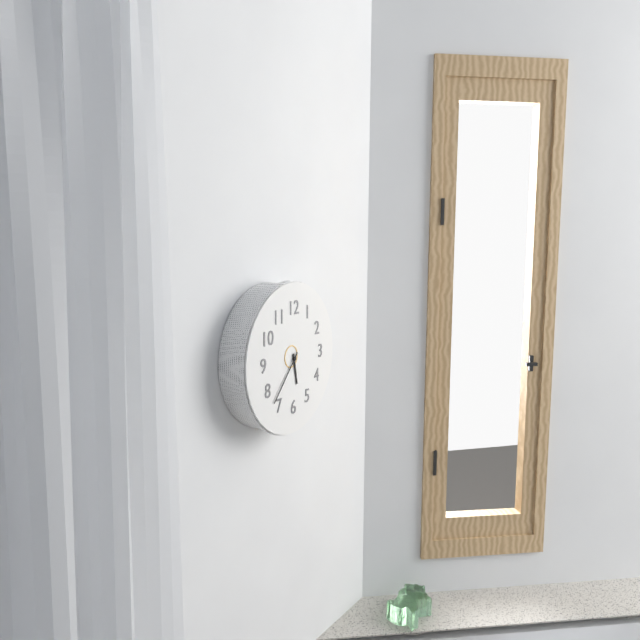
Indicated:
5,37
